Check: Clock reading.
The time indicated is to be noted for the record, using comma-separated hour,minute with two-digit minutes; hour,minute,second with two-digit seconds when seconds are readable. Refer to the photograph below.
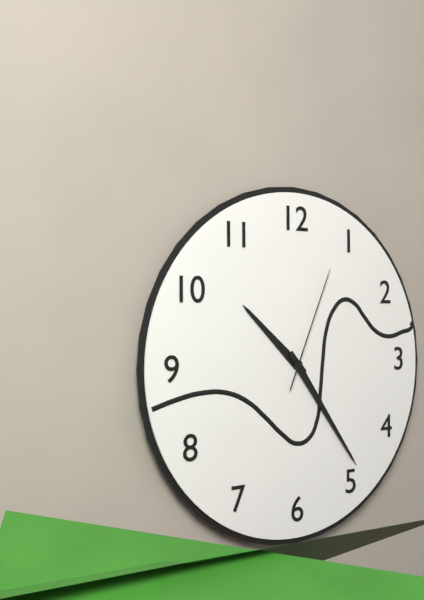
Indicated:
10,24,04
